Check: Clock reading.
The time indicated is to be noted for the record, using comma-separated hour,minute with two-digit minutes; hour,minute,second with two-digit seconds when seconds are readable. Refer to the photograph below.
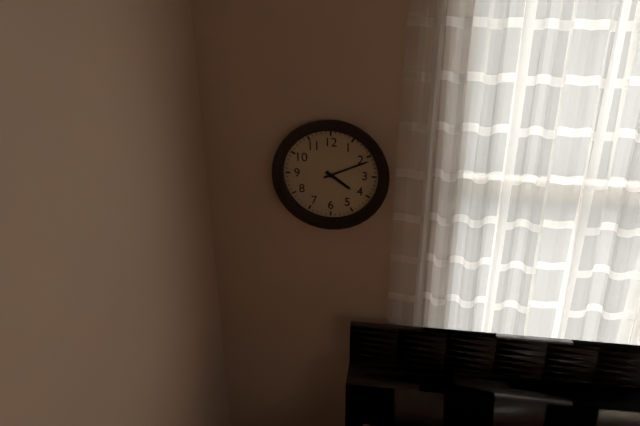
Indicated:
4,11
